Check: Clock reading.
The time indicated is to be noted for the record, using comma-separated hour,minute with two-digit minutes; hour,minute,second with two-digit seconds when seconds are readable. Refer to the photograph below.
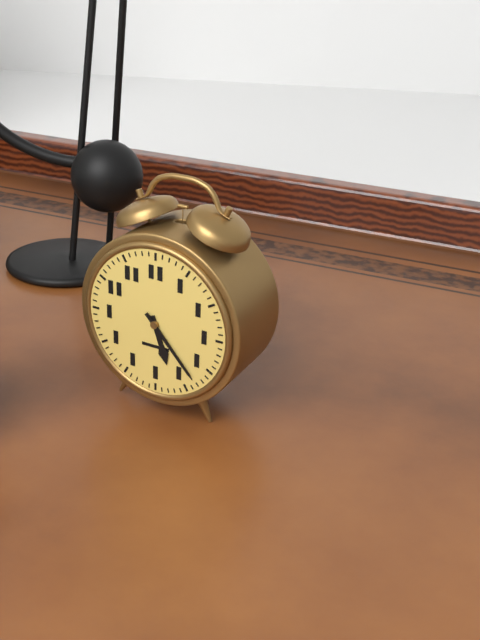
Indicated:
5,23
